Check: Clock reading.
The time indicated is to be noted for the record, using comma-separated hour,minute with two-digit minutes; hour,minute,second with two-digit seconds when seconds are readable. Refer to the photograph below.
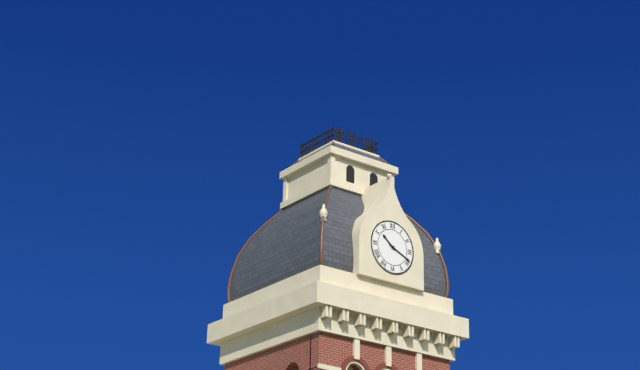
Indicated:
10,19
